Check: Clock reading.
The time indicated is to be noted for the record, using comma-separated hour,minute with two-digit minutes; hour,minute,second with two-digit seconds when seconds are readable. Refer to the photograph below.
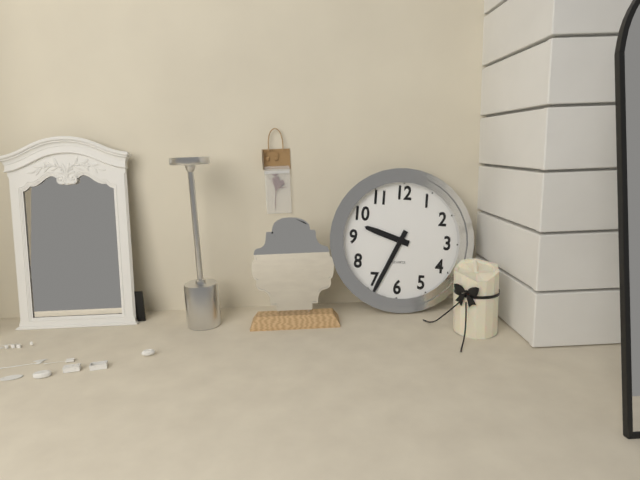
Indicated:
9,34
